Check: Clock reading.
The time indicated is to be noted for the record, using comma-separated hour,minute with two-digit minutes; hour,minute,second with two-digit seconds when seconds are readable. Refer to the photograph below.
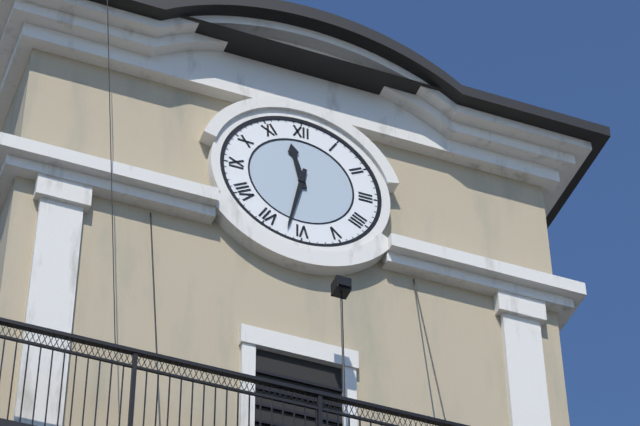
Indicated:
11,32
